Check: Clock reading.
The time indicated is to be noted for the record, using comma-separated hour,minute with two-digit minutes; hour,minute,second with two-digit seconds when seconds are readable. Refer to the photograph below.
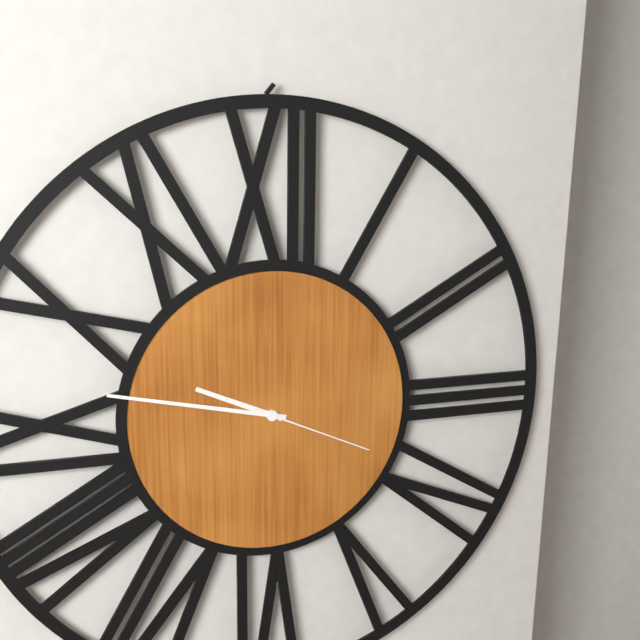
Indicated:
9,47,19
